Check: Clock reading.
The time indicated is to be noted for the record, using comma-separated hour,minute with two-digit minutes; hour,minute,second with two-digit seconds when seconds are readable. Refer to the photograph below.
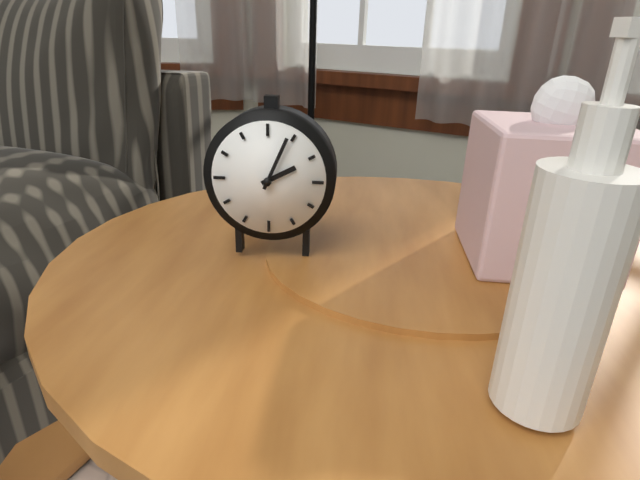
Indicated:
2,04
